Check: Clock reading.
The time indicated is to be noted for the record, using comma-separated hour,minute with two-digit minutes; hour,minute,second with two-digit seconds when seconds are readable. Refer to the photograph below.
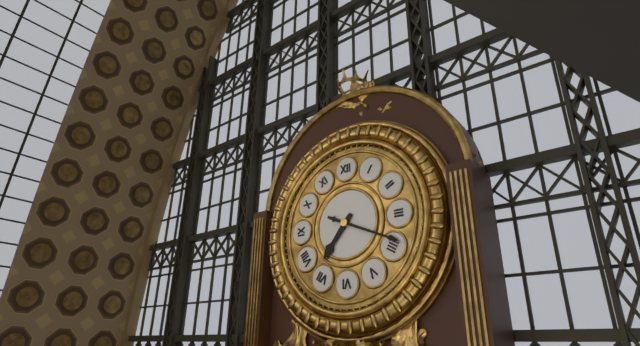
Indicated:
7,19
